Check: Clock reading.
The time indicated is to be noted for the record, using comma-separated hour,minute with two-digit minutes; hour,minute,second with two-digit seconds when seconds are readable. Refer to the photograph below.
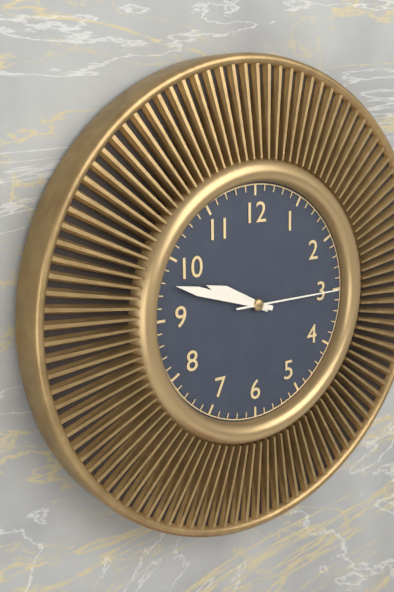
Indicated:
9,48,15
